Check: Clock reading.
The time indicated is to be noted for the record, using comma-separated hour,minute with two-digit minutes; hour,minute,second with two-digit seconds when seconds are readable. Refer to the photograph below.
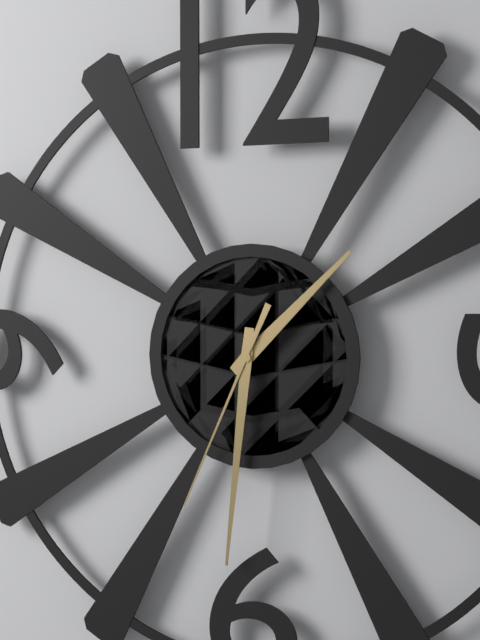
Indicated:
1,31,34
